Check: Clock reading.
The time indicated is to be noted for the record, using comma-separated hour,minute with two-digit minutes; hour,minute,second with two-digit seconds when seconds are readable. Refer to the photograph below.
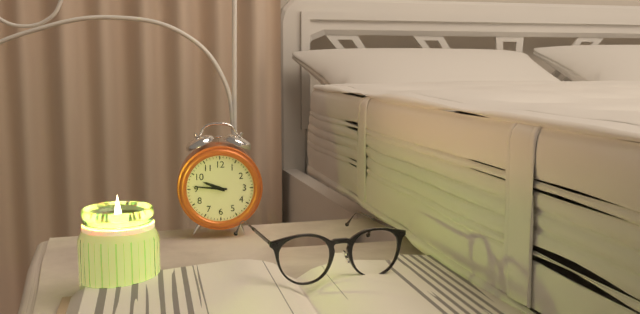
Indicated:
9,46
